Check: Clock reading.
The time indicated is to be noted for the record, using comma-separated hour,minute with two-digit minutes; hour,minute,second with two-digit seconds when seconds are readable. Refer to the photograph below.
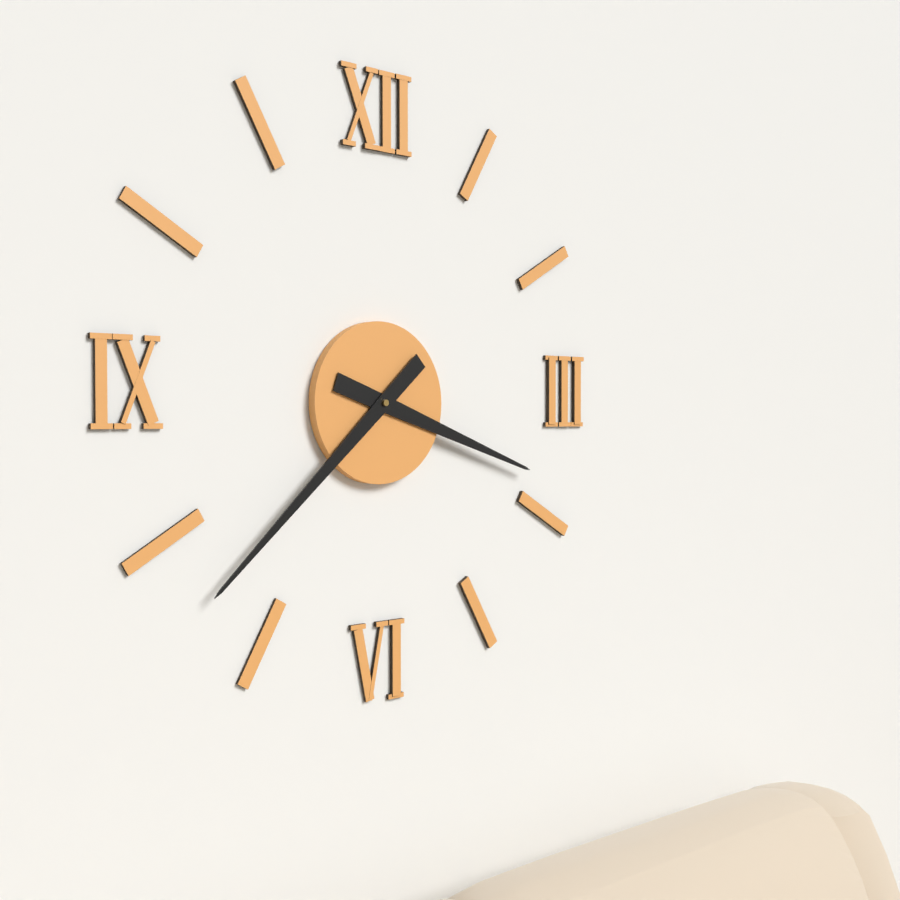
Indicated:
3,38
